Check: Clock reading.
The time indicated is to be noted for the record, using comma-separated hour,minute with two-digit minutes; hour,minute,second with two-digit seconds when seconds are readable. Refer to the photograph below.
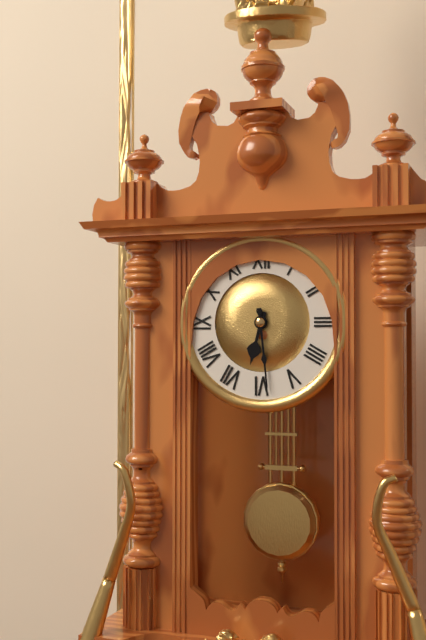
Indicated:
6,29
